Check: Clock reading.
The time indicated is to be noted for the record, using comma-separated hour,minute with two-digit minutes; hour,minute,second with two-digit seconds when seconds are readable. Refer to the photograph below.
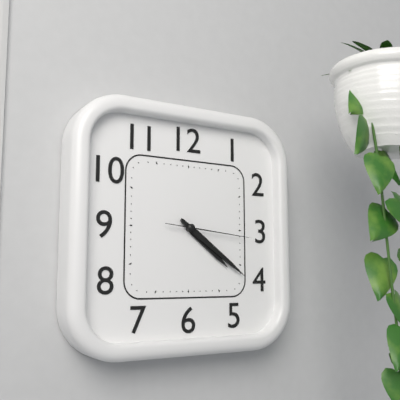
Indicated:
4,21,16
